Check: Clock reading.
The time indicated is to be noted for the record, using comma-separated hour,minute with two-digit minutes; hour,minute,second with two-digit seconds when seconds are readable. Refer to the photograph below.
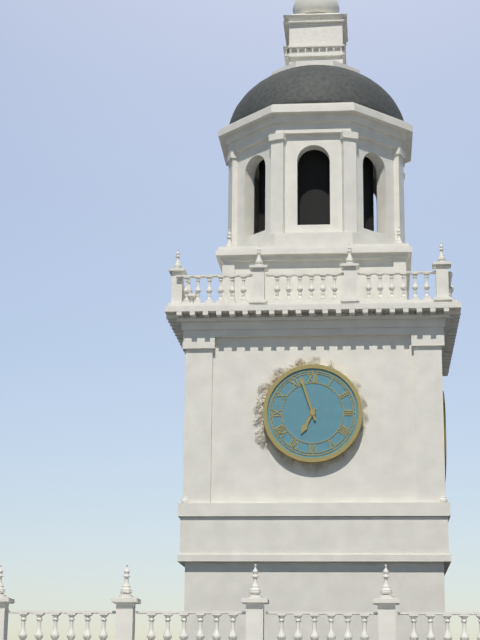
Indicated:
6,57
